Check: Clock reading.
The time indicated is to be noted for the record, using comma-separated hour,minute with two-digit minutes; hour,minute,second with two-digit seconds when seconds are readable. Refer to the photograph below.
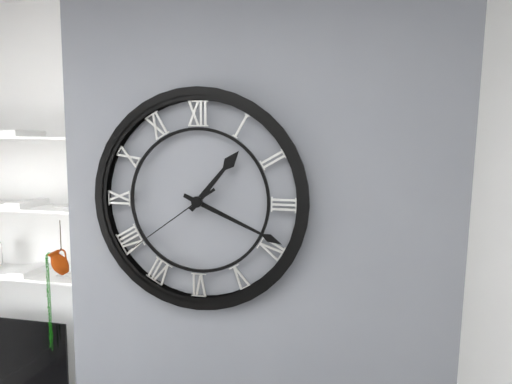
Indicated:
1,19,39
